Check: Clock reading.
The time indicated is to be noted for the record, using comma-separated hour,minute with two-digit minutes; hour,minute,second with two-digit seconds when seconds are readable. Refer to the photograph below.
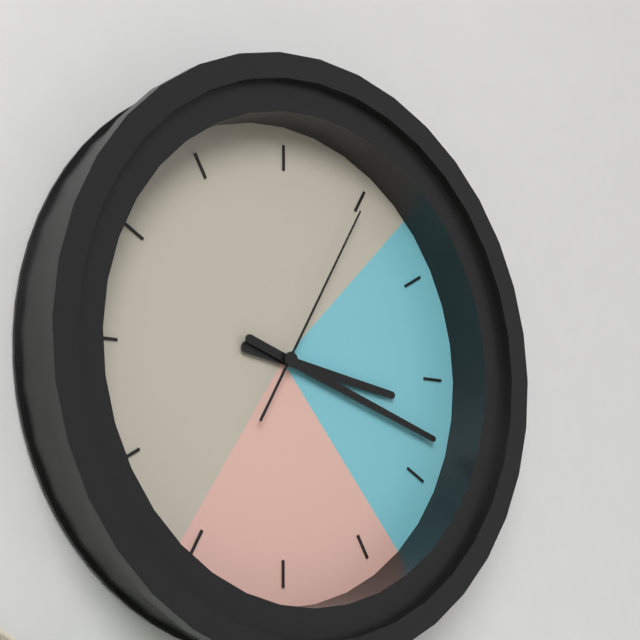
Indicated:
3,18,05
